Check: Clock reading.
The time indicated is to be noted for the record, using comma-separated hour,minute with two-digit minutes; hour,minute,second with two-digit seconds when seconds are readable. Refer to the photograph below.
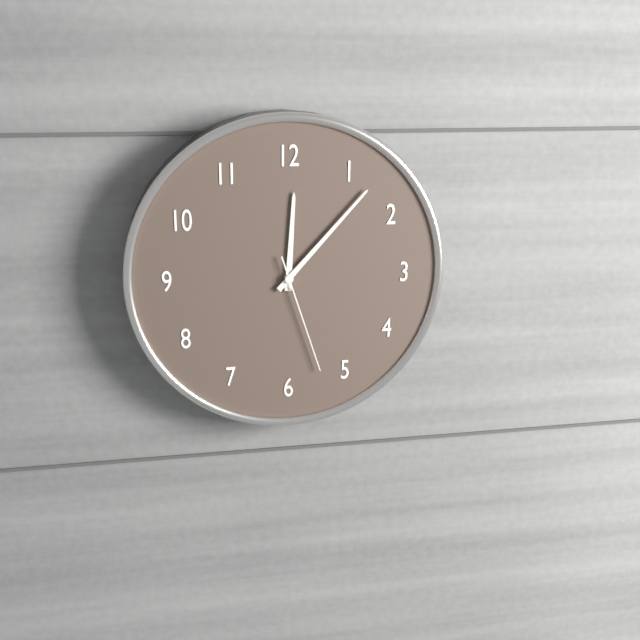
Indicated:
12,07,27
